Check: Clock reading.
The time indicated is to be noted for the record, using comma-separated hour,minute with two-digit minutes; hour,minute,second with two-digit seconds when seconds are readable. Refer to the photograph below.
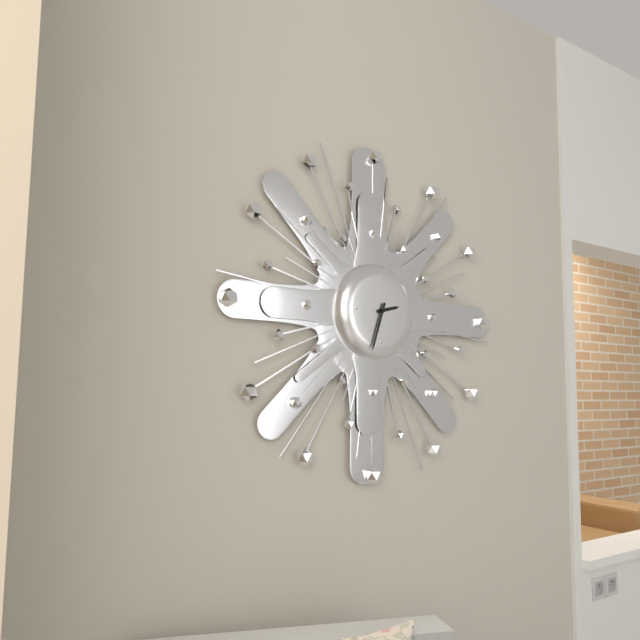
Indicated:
2,33
